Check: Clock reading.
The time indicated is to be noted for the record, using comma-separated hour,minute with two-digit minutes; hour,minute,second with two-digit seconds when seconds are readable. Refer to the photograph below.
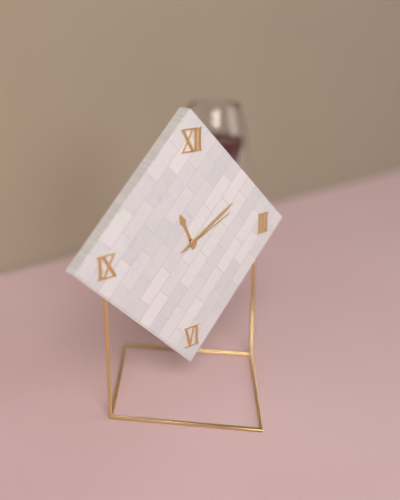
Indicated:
11,10,11
